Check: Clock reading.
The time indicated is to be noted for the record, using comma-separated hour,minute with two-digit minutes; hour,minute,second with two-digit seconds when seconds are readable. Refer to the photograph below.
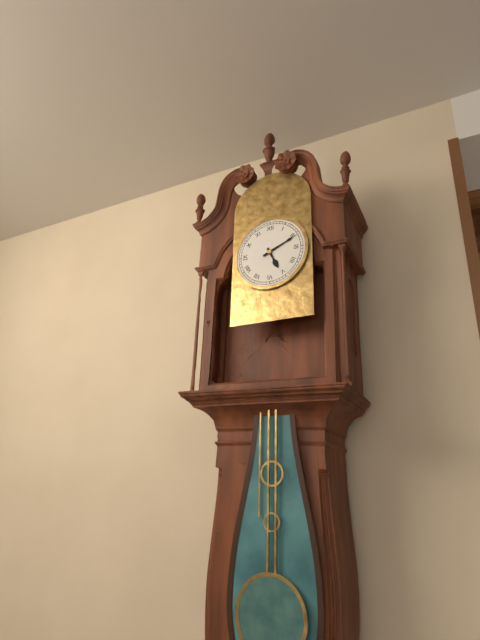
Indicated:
5,11
